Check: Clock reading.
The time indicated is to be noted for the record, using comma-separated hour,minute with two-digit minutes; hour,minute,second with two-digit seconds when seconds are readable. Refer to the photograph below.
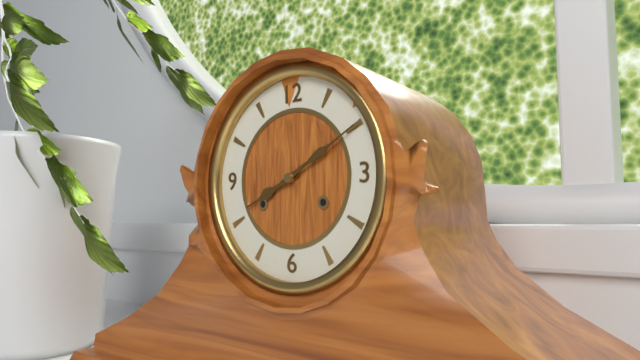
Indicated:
8,10
